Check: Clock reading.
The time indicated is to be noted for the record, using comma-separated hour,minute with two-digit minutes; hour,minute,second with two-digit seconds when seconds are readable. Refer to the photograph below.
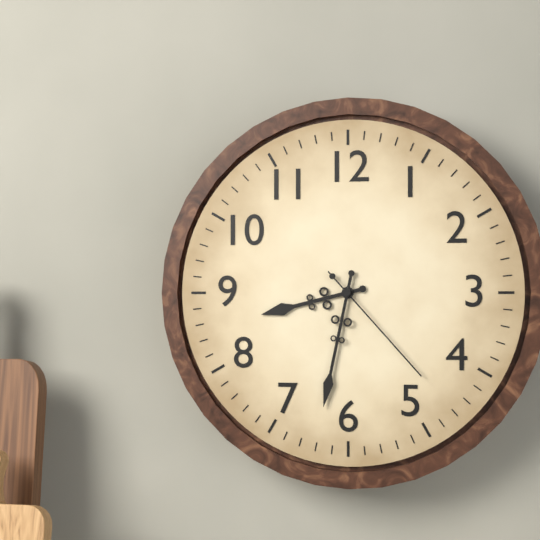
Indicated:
8,32,23
